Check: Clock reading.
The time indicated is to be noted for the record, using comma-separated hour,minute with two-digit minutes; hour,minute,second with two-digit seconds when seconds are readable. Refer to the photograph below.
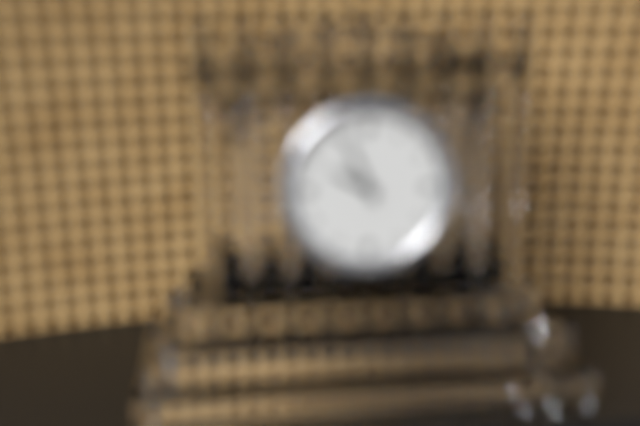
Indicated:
9,56
